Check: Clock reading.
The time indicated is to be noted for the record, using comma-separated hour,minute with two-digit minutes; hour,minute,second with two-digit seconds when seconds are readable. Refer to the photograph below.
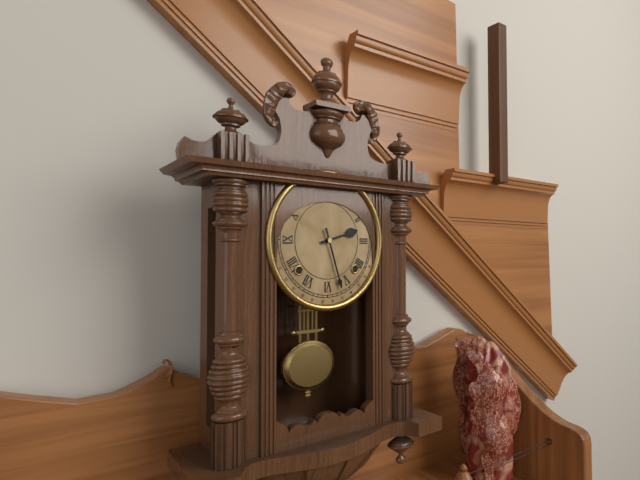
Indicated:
2,27
